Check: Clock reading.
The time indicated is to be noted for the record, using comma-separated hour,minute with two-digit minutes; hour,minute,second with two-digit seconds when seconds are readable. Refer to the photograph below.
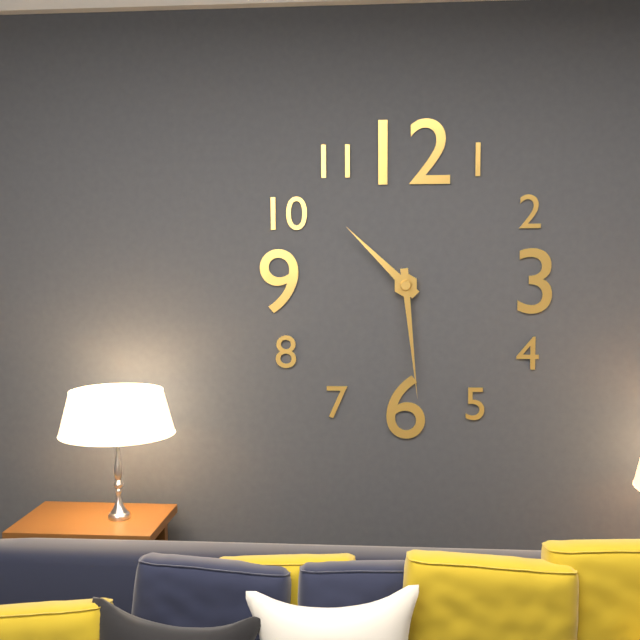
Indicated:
10,29
